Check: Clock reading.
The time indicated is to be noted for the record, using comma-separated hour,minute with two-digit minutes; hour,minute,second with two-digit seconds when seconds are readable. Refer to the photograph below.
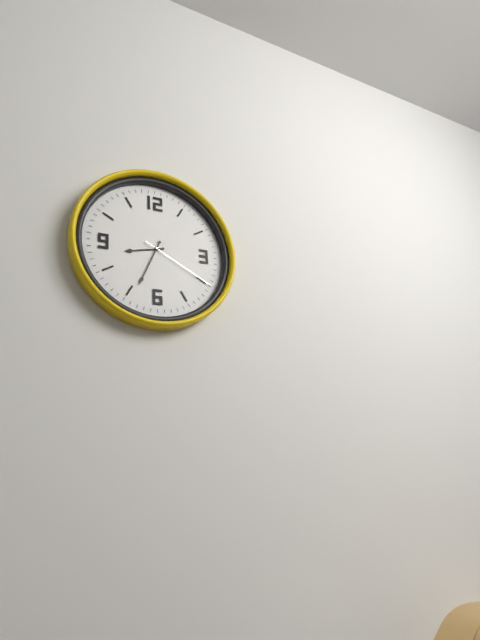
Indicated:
8,34,20
